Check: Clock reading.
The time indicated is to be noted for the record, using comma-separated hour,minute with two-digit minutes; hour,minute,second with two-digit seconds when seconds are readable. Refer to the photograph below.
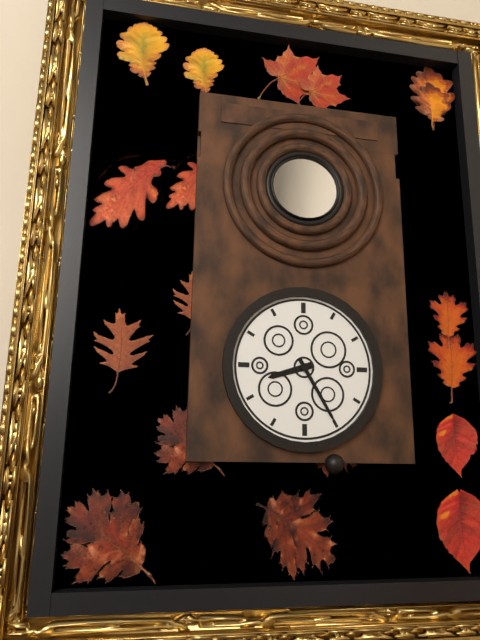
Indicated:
8,25
